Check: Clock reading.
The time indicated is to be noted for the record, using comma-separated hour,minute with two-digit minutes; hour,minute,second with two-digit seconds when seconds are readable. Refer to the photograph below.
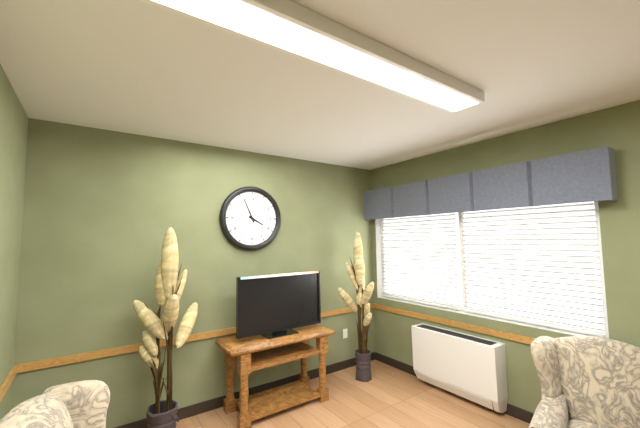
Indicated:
3,56
